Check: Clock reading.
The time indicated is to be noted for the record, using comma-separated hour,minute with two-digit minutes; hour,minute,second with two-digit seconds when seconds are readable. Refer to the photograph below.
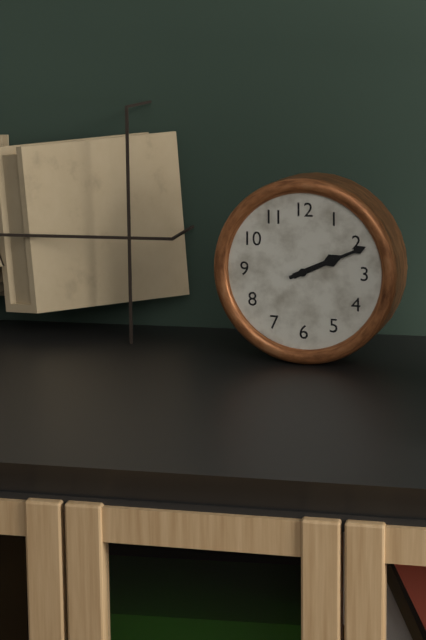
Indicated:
2,11
